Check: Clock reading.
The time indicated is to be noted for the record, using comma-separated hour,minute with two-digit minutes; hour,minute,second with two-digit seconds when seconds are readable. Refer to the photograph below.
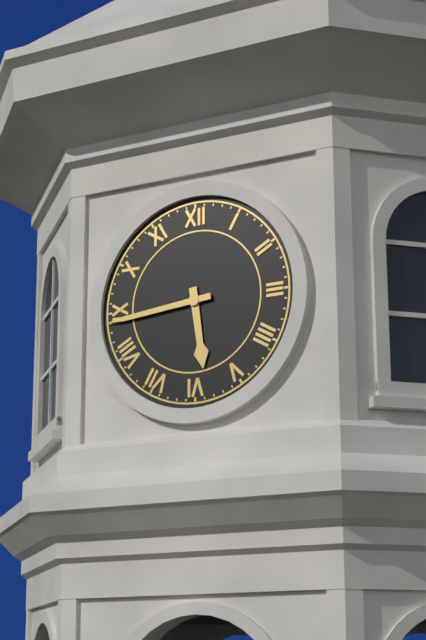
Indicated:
5,44
